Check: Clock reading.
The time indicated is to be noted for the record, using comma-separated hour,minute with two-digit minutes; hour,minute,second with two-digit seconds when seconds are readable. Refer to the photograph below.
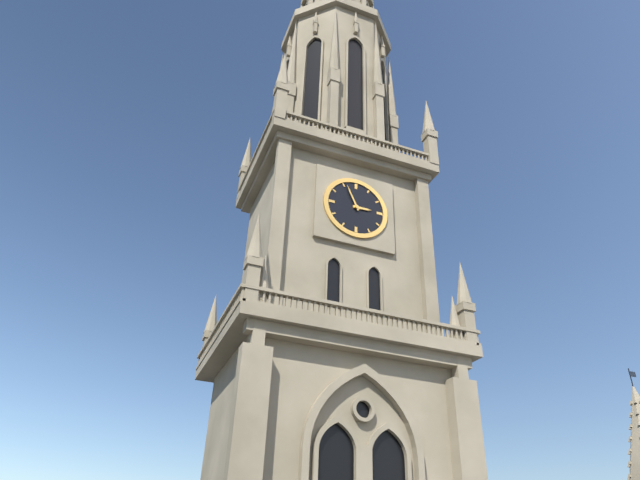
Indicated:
2,56
